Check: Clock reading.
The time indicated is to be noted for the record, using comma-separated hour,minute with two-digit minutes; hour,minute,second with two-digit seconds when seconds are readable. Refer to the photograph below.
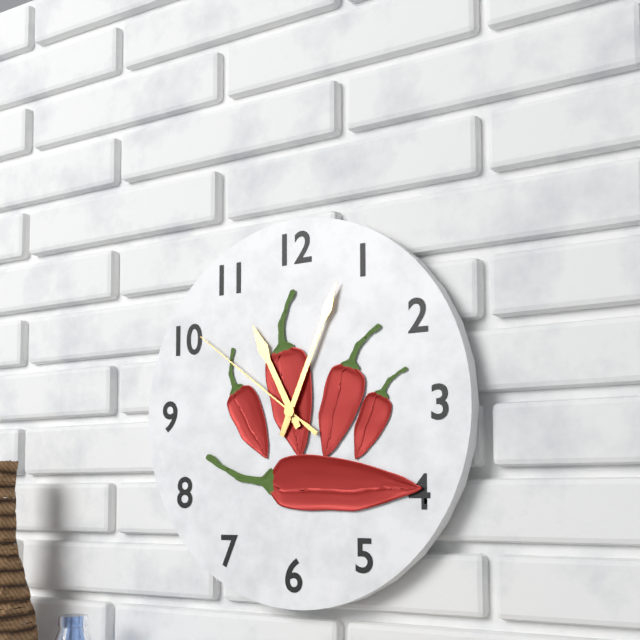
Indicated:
11,04,51
